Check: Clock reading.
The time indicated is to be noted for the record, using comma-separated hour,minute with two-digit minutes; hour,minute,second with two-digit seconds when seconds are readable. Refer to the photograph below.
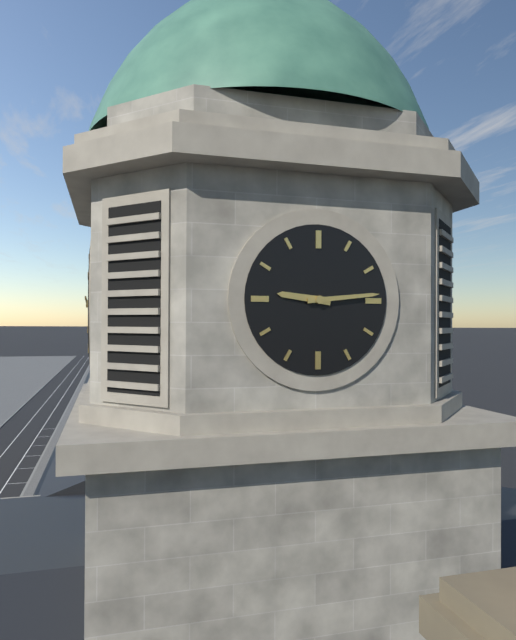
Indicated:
9,14
